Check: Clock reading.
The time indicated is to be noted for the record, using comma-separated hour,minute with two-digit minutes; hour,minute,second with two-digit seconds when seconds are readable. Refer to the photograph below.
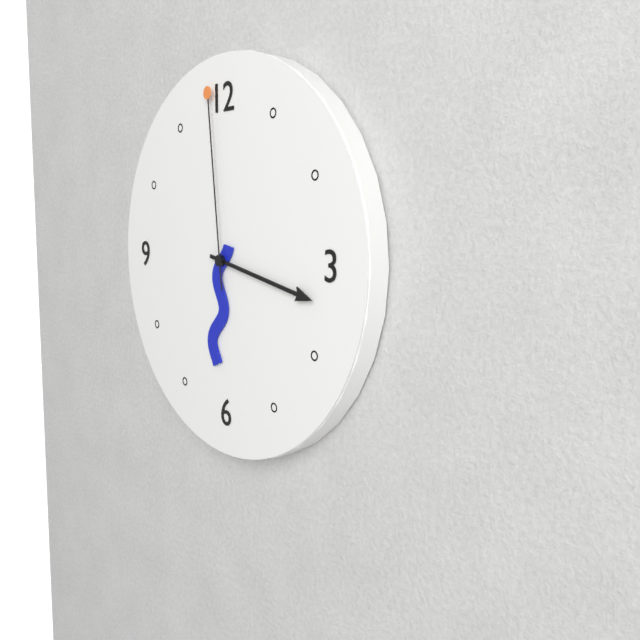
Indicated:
6,17,59
